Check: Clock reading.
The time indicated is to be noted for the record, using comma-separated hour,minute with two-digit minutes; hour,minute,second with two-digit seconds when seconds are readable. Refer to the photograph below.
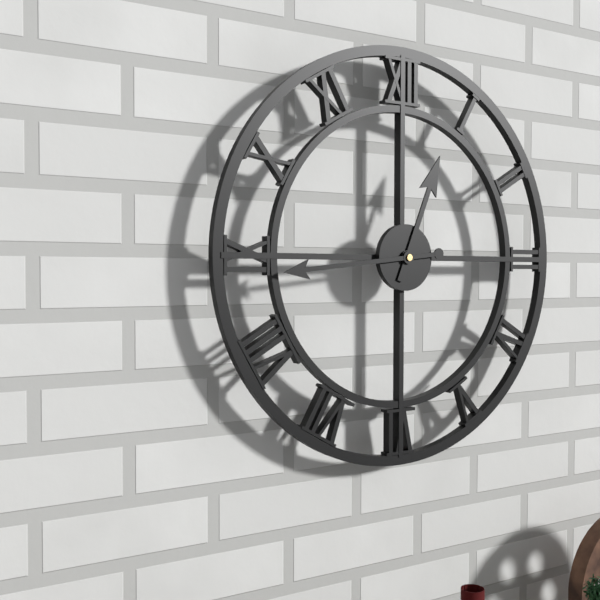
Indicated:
12,44
